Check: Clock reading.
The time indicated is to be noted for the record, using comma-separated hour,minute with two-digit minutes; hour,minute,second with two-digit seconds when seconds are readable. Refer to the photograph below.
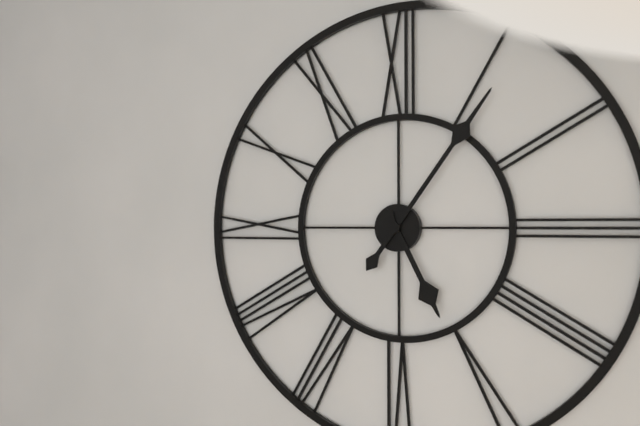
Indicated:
5,06
